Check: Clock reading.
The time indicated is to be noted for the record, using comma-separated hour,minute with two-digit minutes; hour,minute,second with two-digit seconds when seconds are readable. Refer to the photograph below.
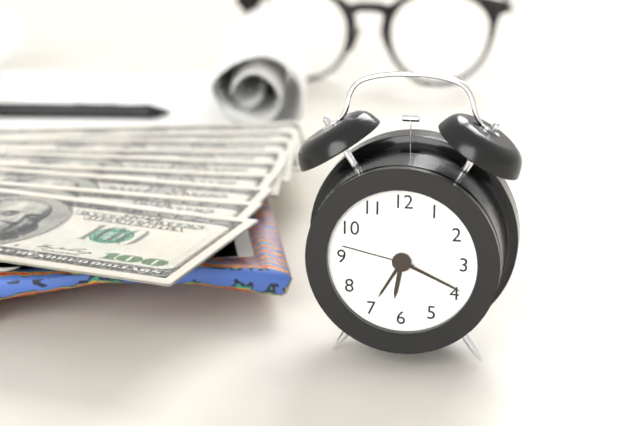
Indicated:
6,19,47
